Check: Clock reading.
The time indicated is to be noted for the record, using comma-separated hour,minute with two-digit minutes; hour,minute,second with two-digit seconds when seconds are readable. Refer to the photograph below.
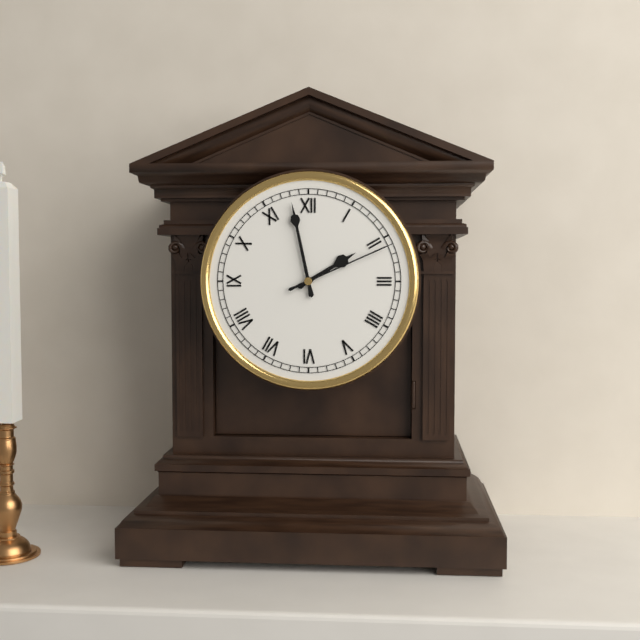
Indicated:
1,58,11
